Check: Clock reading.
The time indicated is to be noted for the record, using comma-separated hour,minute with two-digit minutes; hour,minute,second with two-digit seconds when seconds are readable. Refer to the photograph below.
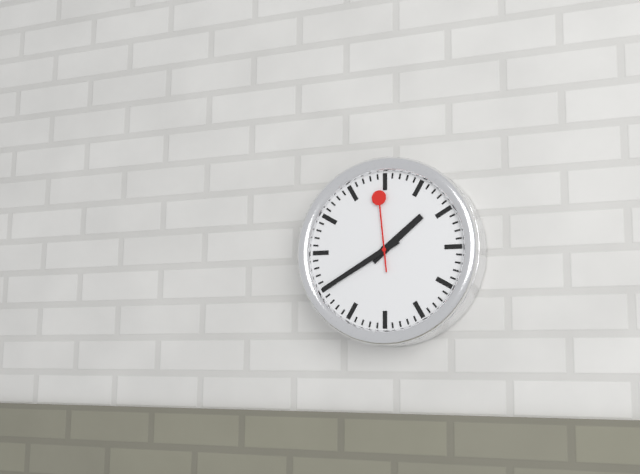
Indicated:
1,40,59
